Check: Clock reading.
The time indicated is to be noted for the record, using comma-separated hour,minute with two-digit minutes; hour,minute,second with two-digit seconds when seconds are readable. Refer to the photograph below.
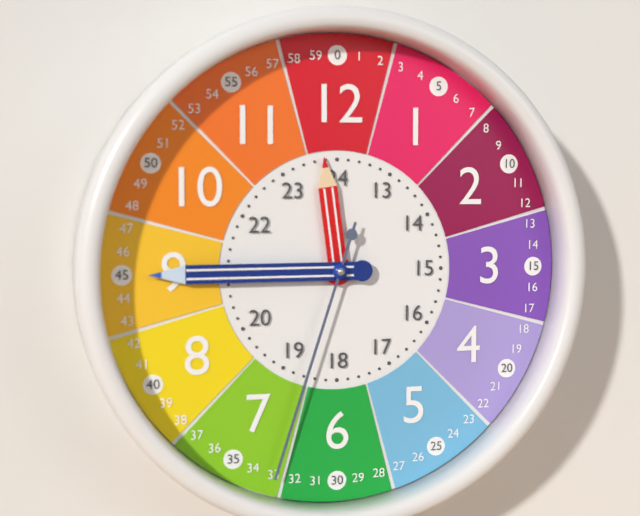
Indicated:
11,45,33
